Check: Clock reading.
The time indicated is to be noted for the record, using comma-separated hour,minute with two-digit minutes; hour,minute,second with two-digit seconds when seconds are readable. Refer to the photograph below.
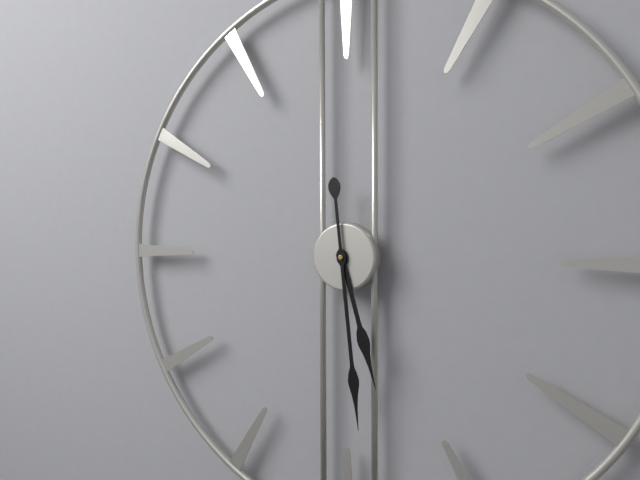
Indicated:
5,29
